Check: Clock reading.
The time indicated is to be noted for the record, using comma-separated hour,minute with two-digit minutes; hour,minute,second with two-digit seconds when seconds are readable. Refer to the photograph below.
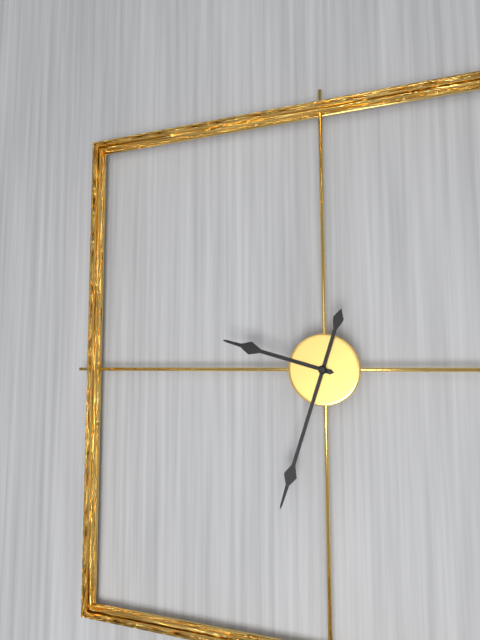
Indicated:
9,33
